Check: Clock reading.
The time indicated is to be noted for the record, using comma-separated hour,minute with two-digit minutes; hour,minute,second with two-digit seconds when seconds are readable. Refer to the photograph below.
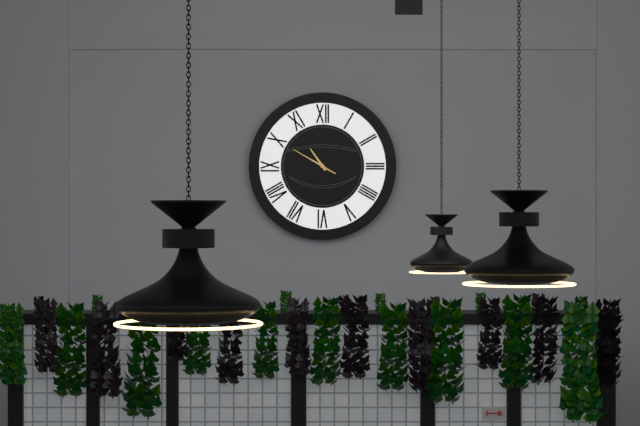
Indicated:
10,50
